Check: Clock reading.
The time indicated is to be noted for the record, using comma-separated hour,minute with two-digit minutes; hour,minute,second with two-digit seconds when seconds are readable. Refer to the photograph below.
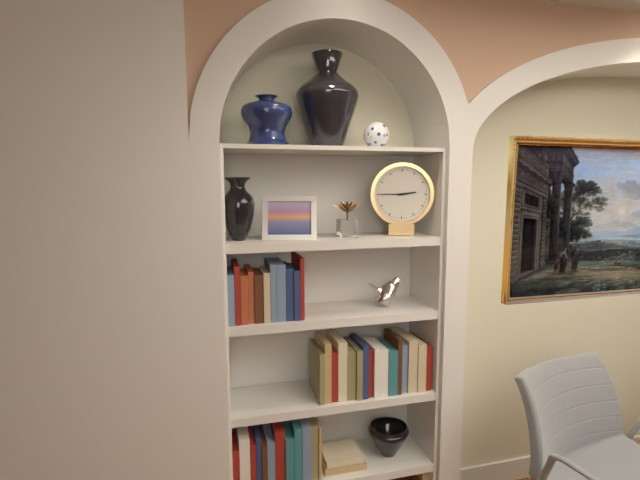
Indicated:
2,45
